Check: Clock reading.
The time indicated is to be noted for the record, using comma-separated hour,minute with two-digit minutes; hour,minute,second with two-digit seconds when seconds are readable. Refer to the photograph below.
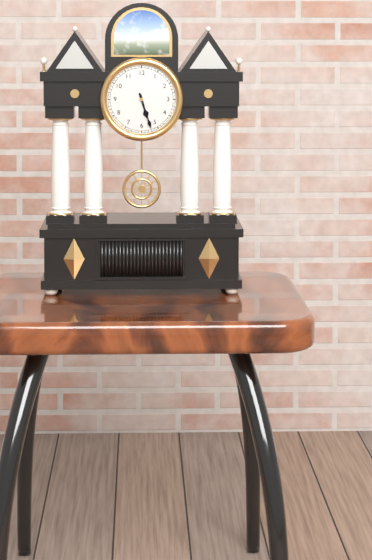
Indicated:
5,27
